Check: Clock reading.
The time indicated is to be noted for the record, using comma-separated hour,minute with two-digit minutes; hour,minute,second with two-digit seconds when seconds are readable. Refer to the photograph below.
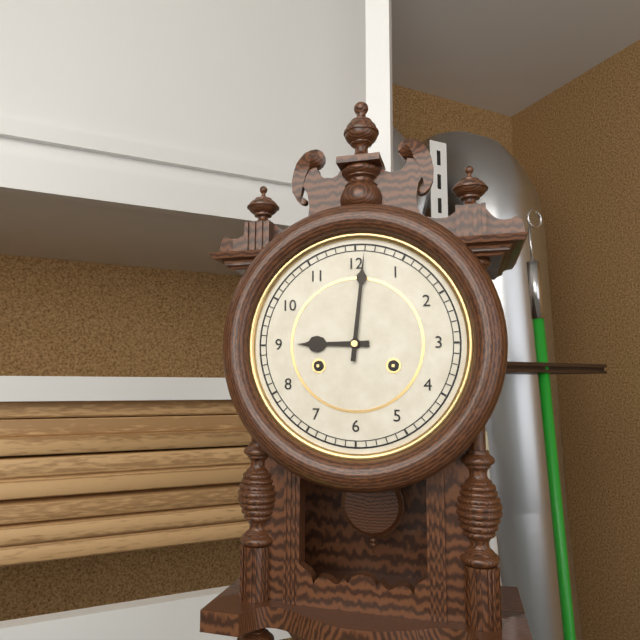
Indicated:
9,01
